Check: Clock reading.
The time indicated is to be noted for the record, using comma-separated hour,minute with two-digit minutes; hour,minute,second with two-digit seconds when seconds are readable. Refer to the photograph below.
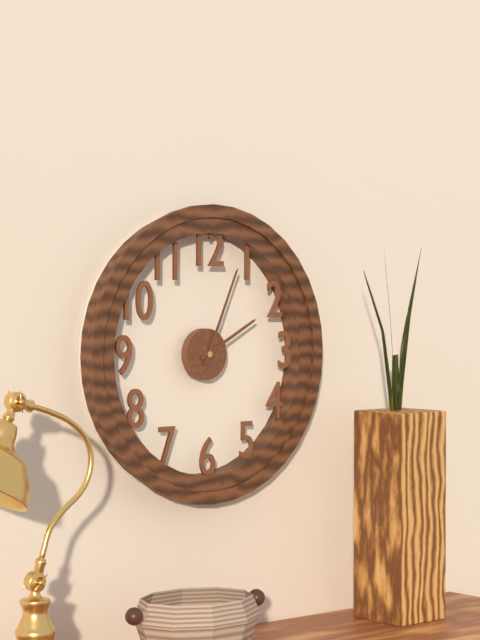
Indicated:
2,04
